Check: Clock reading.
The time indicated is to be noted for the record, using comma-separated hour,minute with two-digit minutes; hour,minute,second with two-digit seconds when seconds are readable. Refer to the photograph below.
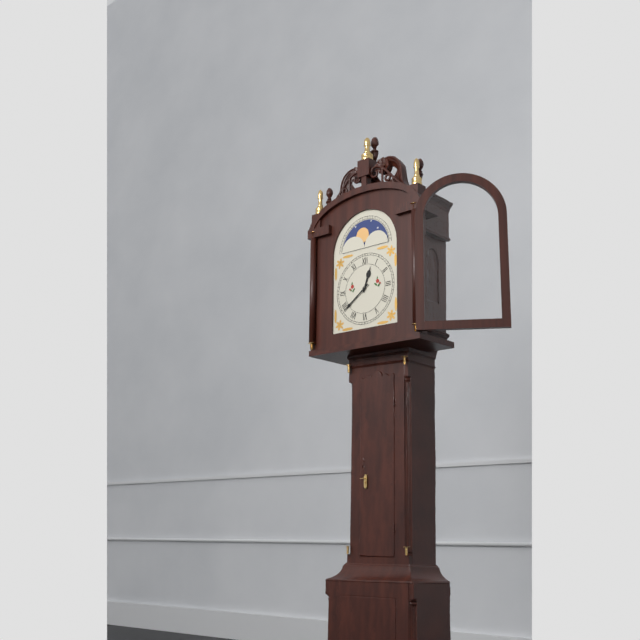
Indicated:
12,39
